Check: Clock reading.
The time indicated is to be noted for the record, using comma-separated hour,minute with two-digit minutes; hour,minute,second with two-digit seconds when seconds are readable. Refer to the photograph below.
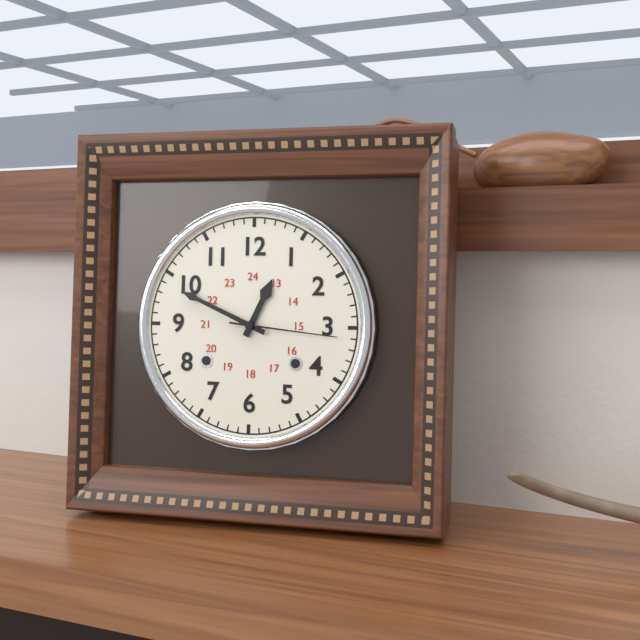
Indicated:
12,49,16
